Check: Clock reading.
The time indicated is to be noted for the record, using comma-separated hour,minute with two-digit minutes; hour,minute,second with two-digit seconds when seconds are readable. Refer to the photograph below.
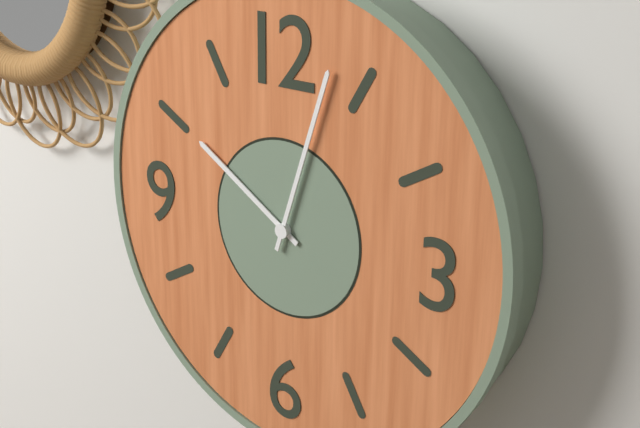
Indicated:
10,03
